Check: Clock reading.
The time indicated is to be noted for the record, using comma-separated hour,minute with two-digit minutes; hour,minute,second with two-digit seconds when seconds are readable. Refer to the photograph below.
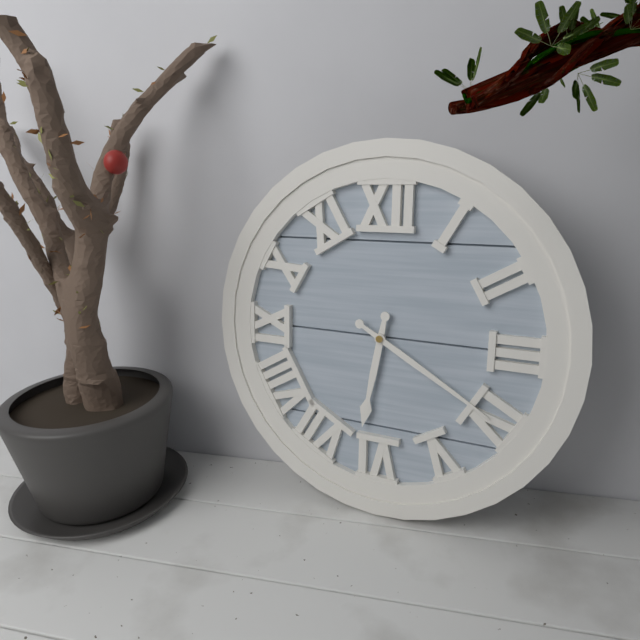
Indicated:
6,20
